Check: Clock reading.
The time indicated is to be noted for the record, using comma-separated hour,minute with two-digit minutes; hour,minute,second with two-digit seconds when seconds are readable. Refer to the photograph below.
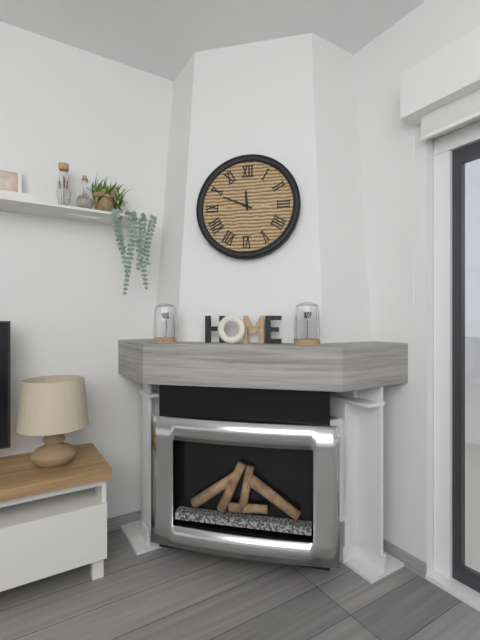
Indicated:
11,49
